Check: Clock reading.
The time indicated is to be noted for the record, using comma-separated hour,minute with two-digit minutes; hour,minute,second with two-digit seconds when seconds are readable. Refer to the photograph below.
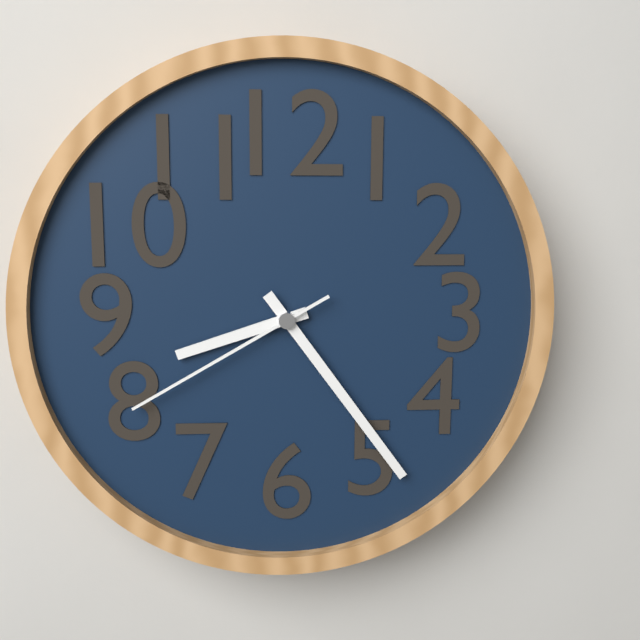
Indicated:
8,24,40
